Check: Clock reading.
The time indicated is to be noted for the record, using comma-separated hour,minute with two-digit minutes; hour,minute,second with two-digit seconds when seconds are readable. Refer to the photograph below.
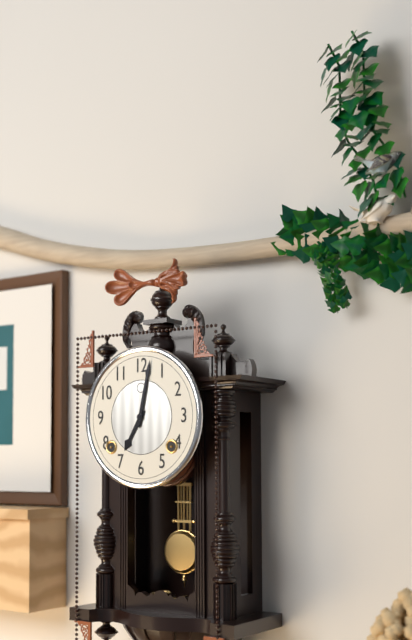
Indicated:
7,02
